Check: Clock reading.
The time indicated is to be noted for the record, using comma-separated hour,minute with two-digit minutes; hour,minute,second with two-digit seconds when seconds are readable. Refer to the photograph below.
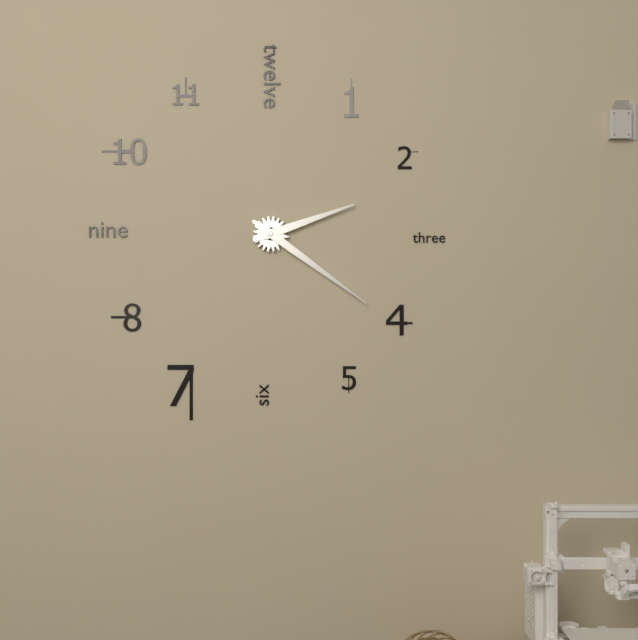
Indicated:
2,21
